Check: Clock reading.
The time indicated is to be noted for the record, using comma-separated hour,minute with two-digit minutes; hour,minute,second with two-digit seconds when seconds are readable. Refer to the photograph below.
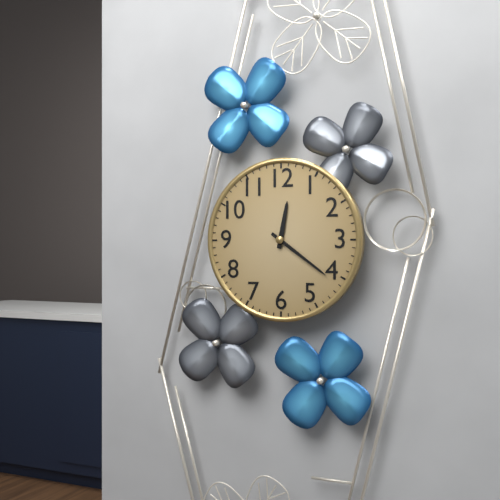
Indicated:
12,21
